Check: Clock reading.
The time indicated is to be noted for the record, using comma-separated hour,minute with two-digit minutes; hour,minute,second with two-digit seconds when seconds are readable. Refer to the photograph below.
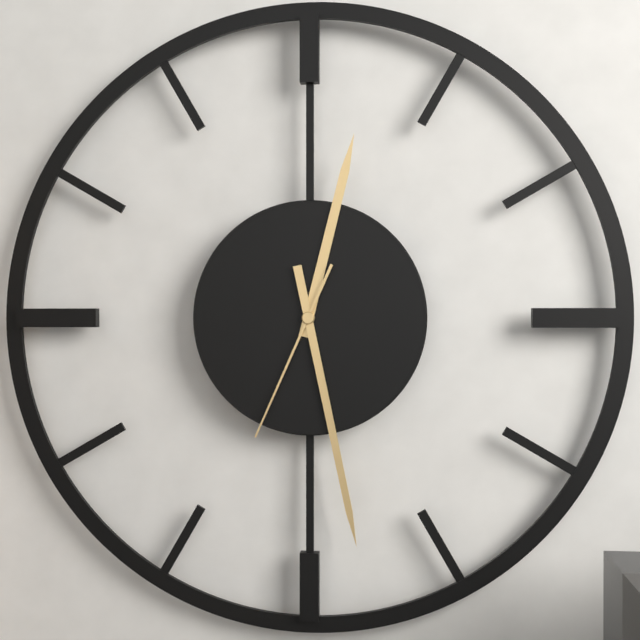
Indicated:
12,28,34
